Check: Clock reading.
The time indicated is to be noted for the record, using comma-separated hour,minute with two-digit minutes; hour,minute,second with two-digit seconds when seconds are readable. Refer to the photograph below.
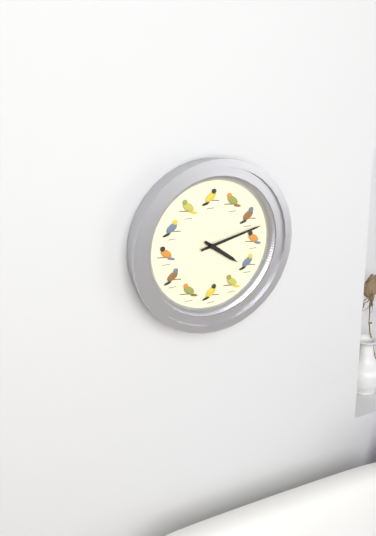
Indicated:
4,13
